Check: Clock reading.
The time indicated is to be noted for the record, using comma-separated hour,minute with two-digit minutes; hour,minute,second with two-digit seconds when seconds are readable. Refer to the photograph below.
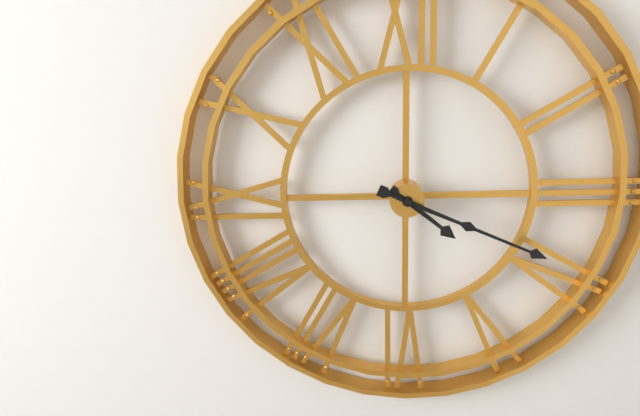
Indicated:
4,19
